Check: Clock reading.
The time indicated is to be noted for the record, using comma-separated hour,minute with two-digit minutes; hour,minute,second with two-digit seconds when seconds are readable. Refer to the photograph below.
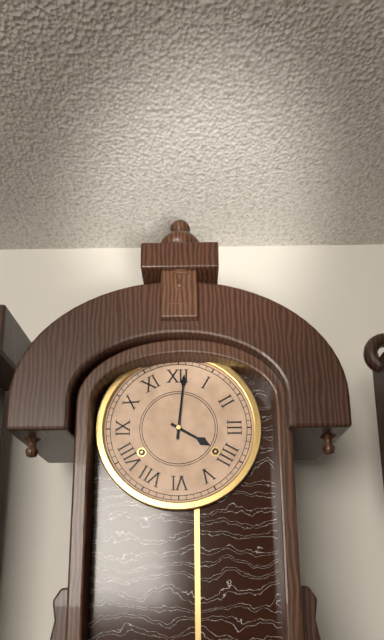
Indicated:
4,01
